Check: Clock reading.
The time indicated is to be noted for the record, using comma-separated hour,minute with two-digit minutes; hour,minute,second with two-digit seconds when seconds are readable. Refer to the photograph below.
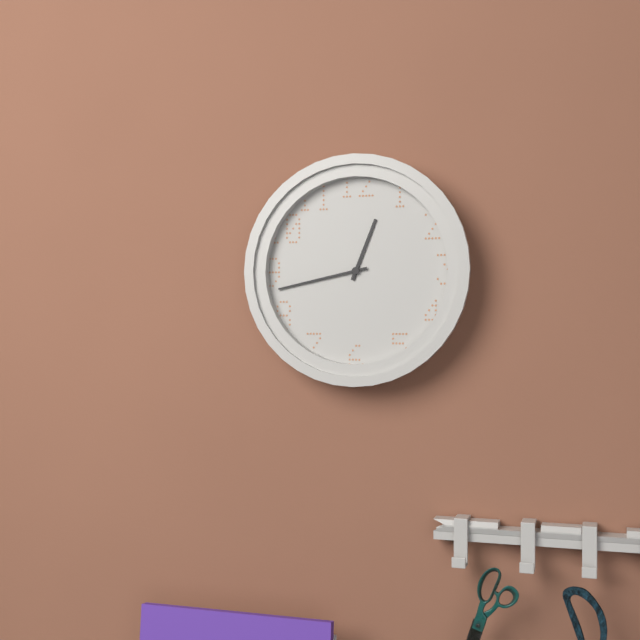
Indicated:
12,43
